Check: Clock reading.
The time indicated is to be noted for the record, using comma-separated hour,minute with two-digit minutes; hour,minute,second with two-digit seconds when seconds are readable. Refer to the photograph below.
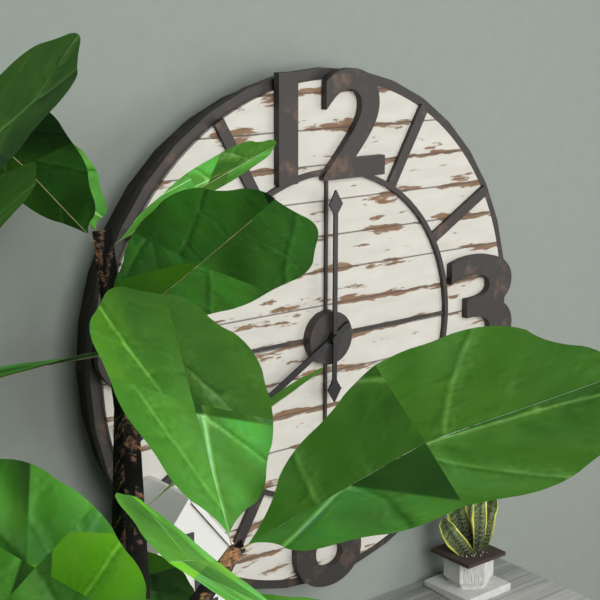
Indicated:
8,00
